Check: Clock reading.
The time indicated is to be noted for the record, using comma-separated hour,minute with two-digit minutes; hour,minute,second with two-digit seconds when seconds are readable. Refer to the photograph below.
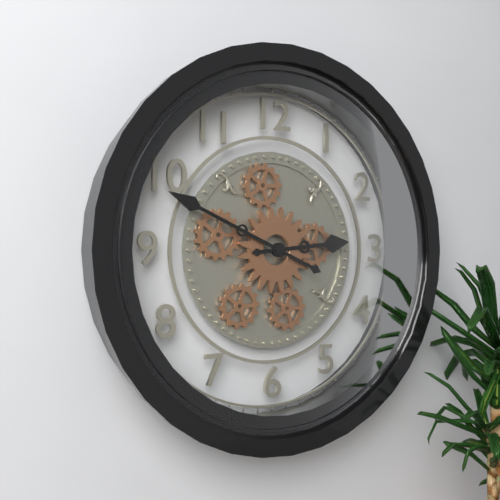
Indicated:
2,49
